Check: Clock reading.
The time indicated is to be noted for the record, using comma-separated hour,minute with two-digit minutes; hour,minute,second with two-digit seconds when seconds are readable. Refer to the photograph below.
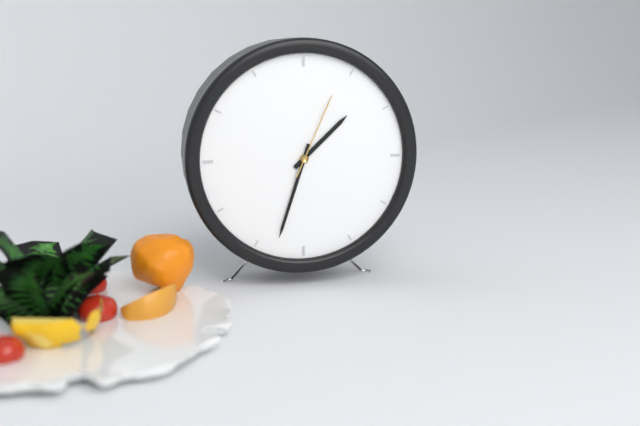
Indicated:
1,33,04
